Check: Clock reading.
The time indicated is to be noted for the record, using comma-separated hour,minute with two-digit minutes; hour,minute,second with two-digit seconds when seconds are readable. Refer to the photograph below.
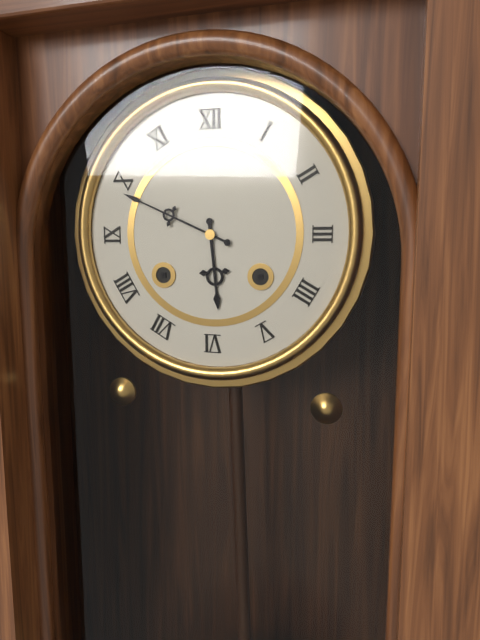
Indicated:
5,49
